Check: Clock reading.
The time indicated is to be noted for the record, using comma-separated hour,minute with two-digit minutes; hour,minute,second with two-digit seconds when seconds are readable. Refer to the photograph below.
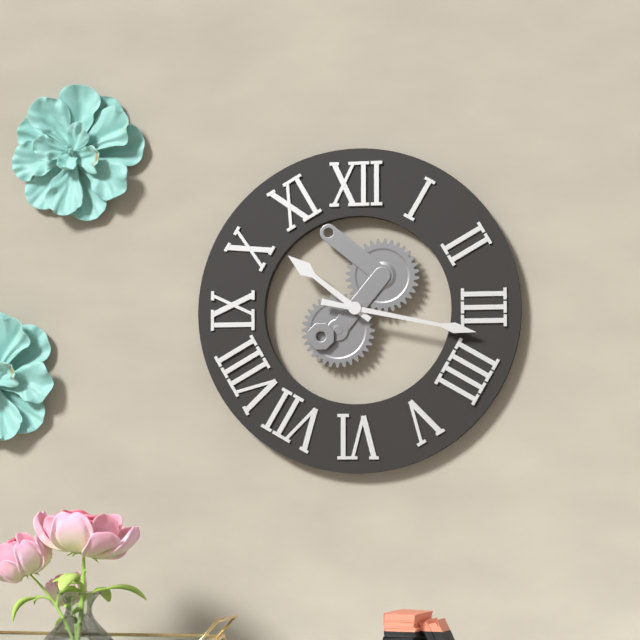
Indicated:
10,17
